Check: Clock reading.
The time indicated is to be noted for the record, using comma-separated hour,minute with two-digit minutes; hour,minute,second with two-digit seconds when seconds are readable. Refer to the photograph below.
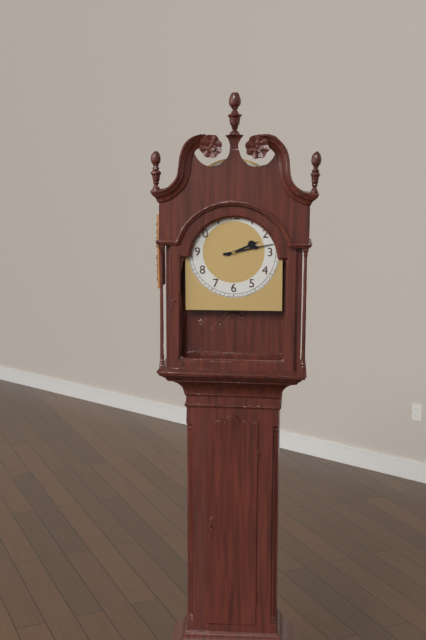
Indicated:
2,13
